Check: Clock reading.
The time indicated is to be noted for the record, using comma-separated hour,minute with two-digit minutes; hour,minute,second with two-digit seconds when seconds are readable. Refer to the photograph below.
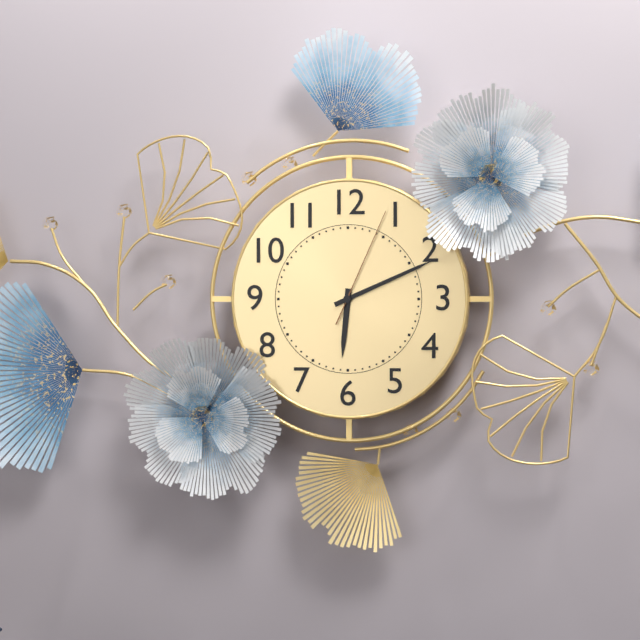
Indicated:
6,11,04
